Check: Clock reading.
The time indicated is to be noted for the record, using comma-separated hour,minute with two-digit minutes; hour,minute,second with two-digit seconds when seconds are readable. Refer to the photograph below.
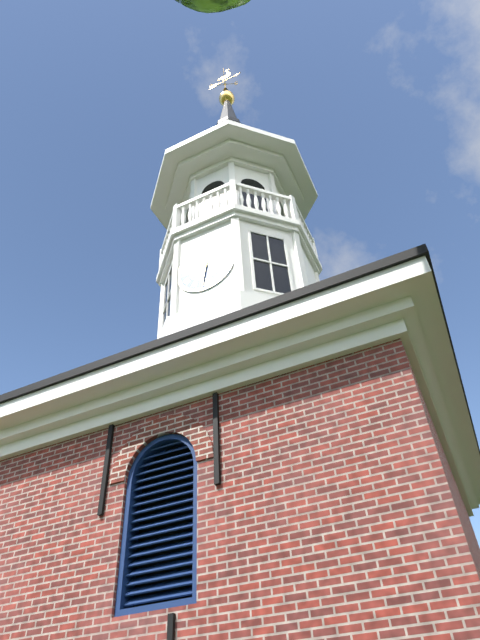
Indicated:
6,31
